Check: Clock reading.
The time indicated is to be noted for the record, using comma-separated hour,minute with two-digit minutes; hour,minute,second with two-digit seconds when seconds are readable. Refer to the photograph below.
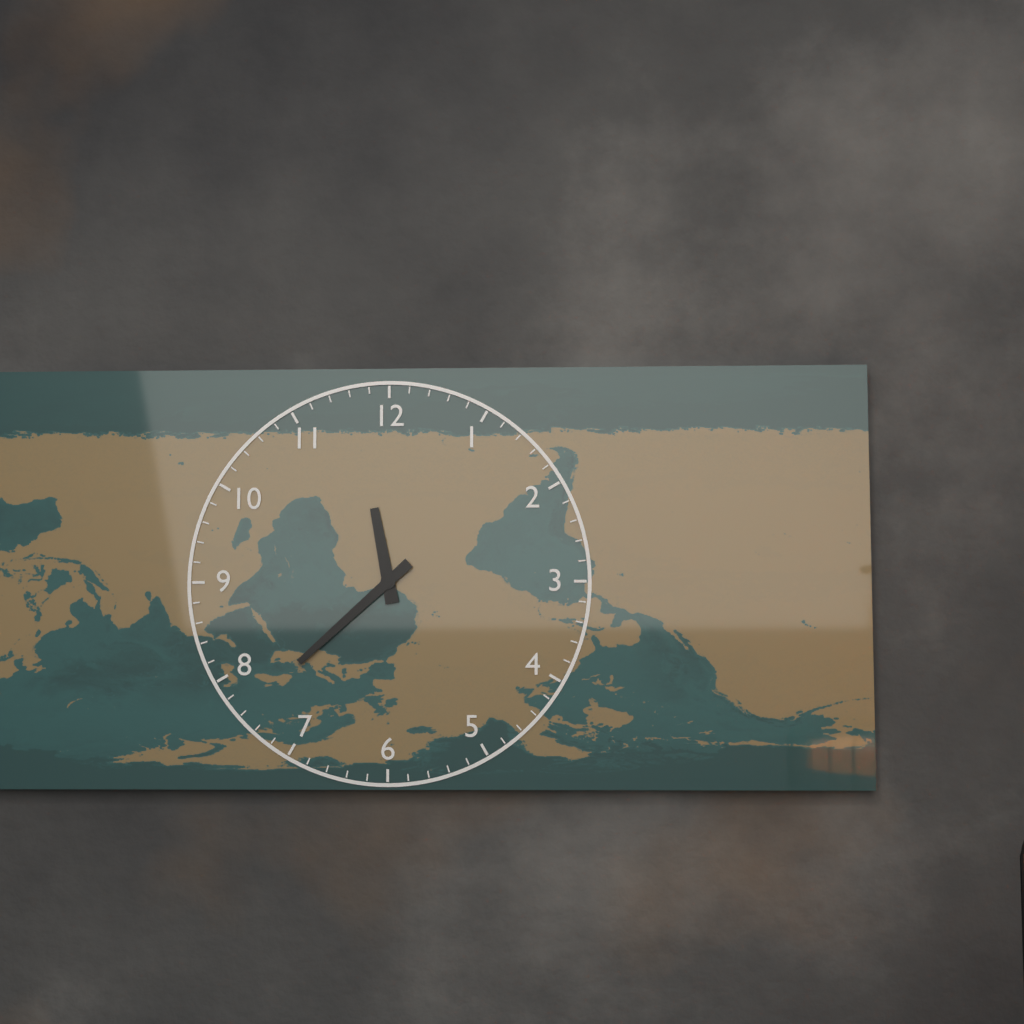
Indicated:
11,38
